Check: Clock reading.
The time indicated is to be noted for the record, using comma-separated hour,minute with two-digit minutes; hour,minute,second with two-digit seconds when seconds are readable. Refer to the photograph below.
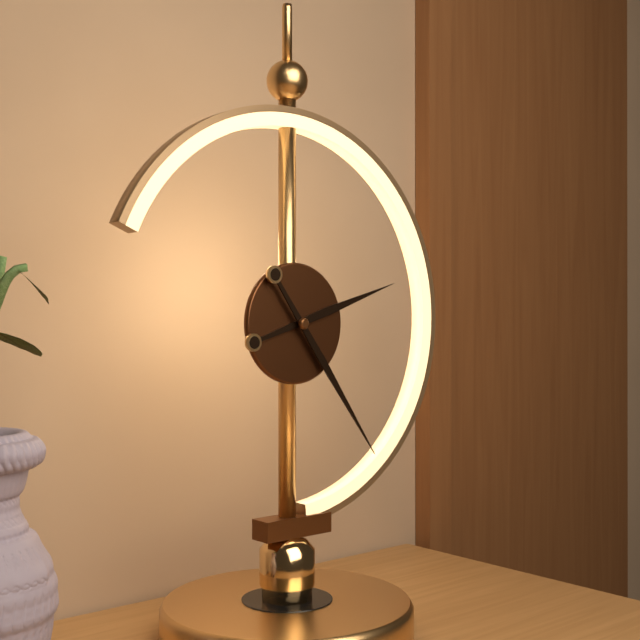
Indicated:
2,24
